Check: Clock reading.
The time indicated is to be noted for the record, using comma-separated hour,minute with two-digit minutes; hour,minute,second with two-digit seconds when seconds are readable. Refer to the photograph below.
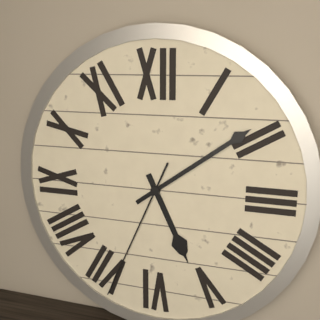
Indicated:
5,09,34
